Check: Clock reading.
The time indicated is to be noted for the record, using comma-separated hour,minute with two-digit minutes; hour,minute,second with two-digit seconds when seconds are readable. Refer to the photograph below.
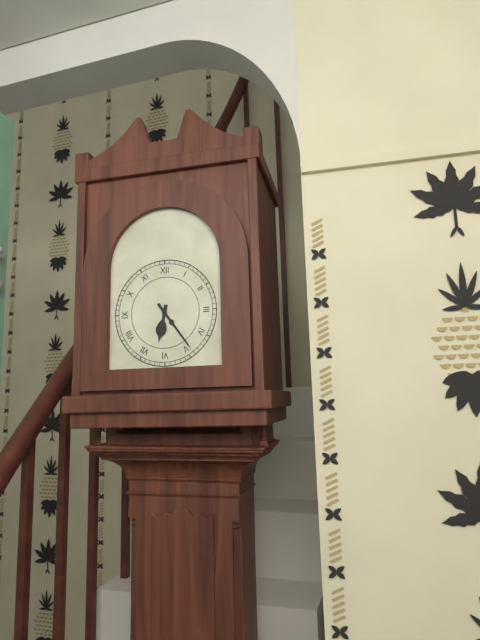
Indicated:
6,24
